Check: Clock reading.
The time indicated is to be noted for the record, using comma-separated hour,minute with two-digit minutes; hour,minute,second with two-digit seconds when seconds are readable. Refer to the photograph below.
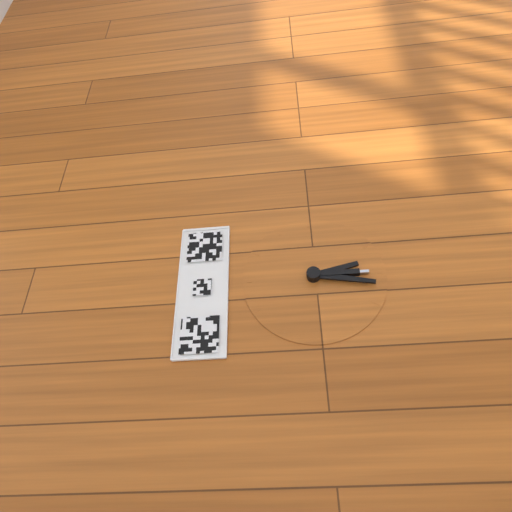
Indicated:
5,32
